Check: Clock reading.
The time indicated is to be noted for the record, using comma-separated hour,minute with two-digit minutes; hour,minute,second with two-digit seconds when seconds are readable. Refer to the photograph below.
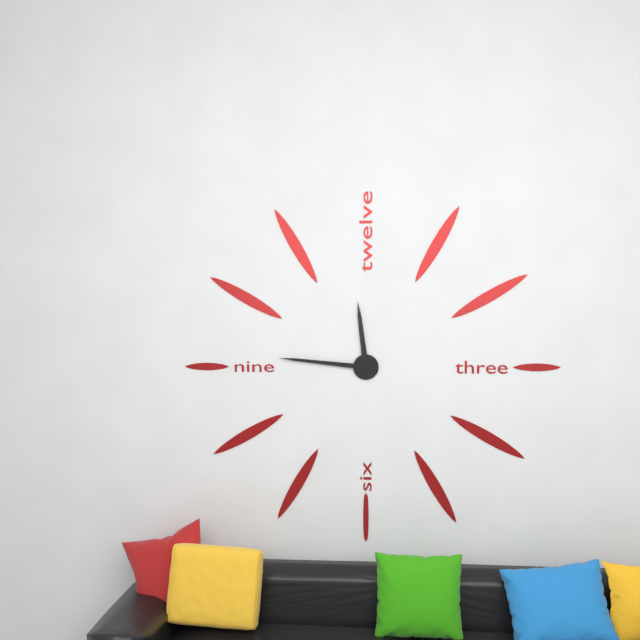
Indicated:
11,46
